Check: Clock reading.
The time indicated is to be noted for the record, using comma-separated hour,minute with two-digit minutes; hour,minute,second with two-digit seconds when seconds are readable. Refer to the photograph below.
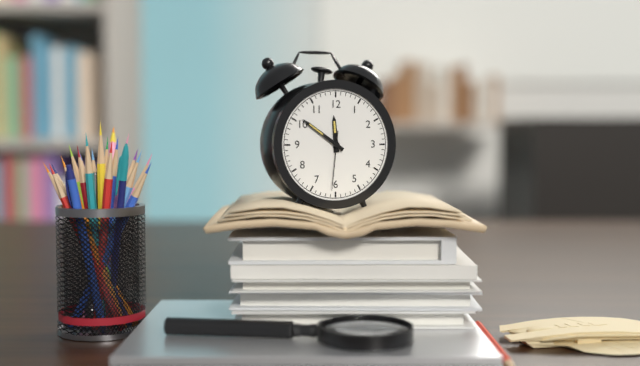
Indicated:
11,51,31
